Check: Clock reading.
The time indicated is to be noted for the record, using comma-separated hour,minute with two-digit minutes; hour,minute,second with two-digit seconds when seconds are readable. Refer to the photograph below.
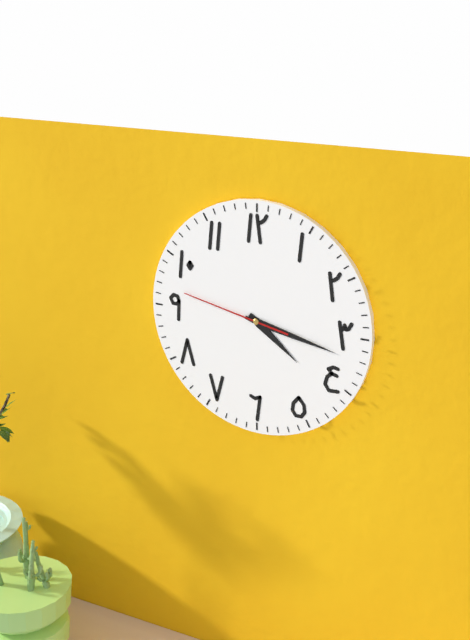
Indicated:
4,17,47
